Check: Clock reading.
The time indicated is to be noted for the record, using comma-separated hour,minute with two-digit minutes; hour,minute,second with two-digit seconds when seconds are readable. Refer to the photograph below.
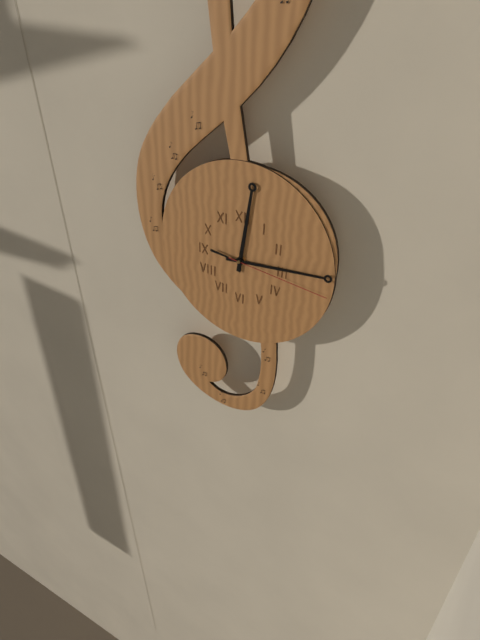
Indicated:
12,14,16
